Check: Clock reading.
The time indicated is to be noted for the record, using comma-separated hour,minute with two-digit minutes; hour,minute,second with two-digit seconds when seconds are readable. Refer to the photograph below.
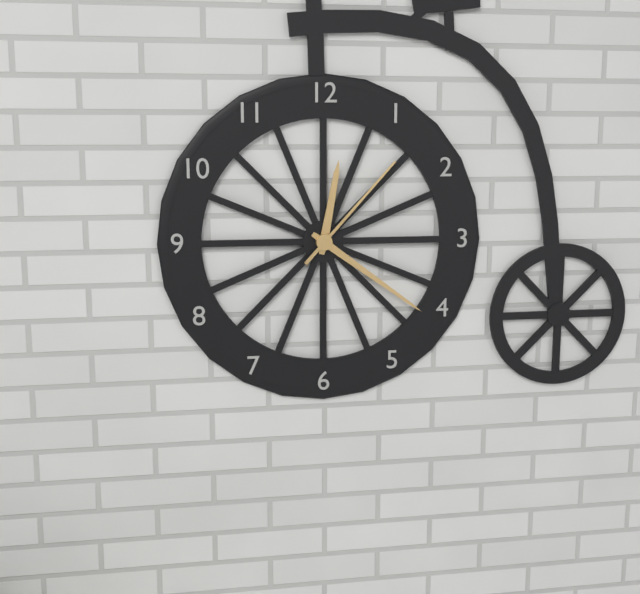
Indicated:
12,21,07
